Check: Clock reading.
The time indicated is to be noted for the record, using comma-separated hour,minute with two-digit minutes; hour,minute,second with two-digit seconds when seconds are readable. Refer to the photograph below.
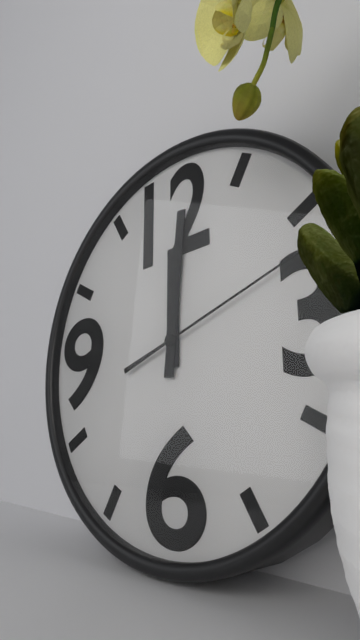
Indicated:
12,01,12
